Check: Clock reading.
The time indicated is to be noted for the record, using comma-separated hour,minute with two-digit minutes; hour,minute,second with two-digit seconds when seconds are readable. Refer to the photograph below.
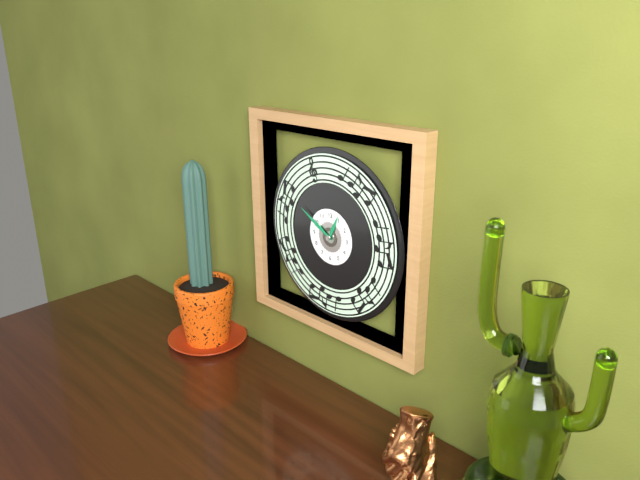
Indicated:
12,50
